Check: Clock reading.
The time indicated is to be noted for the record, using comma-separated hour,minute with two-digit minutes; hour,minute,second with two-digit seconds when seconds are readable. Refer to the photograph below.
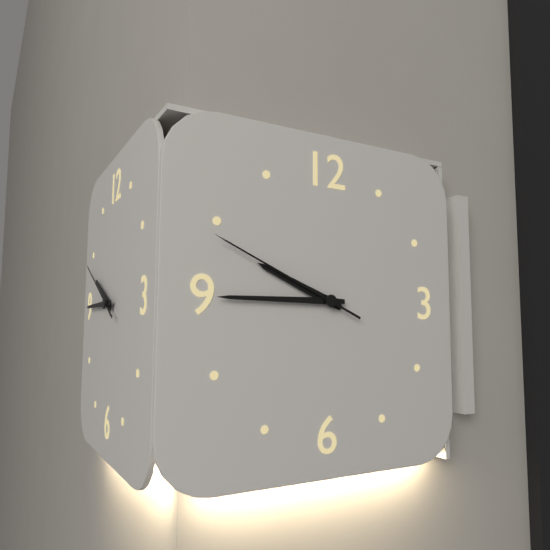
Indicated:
9,45,49
